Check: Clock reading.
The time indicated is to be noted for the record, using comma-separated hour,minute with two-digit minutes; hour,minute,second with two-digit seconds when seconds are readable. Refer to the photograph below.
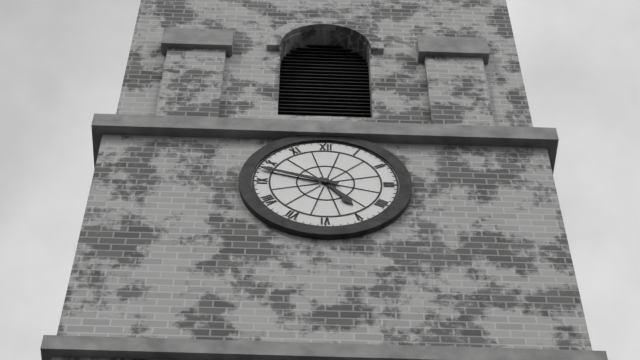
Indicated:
4,48
